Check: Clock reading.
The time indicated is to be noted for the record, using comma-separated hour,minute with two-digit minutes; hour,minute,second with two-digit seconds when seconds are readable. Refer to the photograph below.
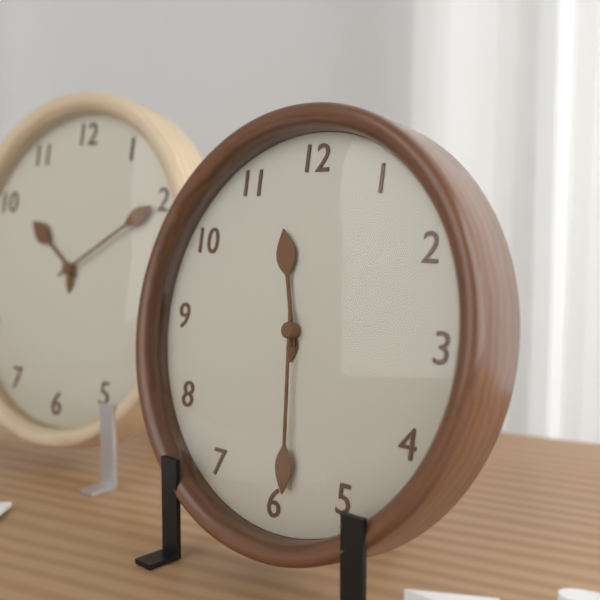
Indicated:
11,29
